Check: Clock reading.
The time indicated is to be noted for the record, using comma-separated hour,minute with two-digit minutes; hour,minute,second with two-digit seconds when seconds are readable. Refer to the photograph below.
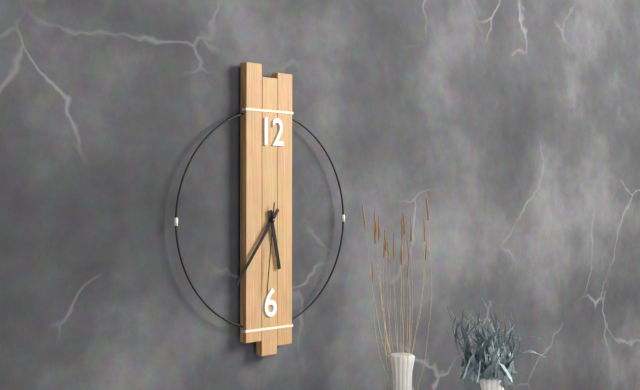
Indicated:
5,36,31
